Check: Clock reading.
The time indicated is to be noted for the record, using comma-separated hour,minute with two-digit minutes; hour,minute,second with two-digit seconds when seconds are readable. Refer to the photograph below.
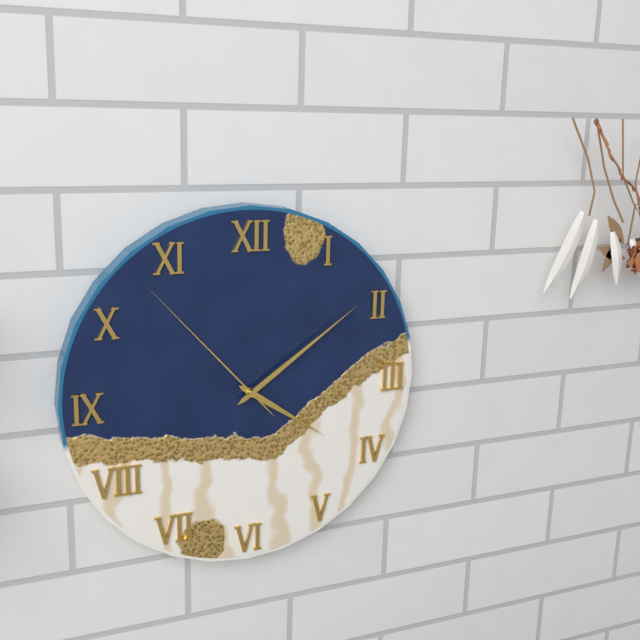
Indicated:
4,09,53
